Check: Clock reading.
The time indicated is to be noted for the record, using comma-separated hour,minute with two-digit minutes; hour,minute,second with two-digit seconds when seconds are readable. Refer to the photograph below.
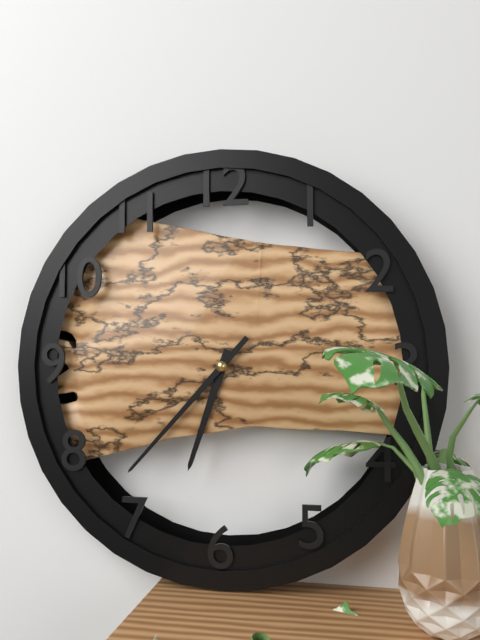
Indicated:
6,37
